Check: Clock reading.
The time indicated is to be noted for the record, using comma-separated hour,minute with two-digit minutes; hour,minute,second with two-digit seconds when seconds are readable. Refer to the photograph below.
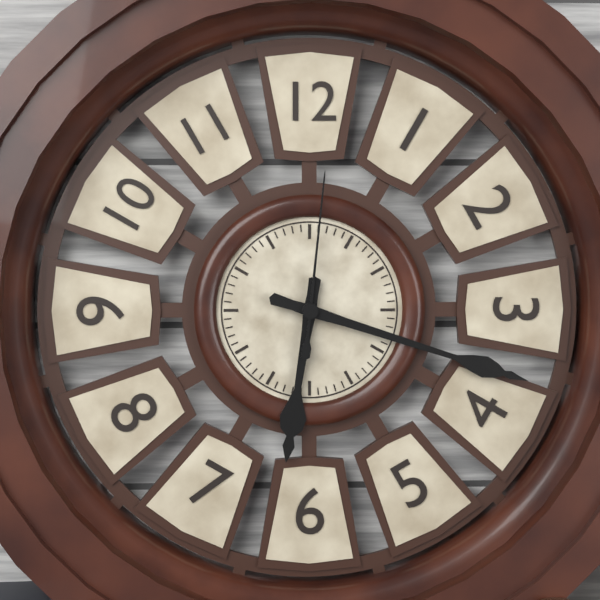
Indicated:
6,18,01
